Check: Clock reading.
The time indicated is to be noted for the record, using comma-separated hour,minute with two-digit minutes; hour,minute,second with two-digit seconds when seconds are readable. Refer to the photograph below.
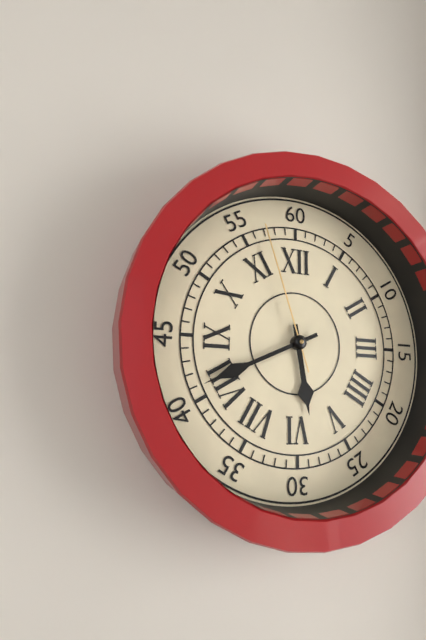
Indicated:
5,41,57
